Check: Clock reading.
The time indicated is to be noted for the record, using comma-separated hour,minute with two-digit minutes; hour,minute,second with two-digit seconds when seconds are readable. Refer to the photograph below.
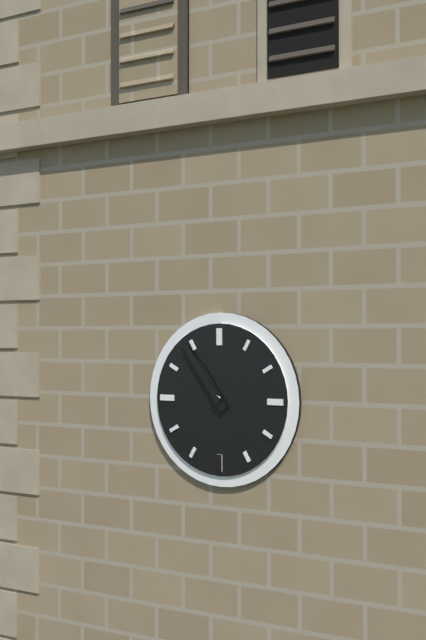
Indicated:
10,54
